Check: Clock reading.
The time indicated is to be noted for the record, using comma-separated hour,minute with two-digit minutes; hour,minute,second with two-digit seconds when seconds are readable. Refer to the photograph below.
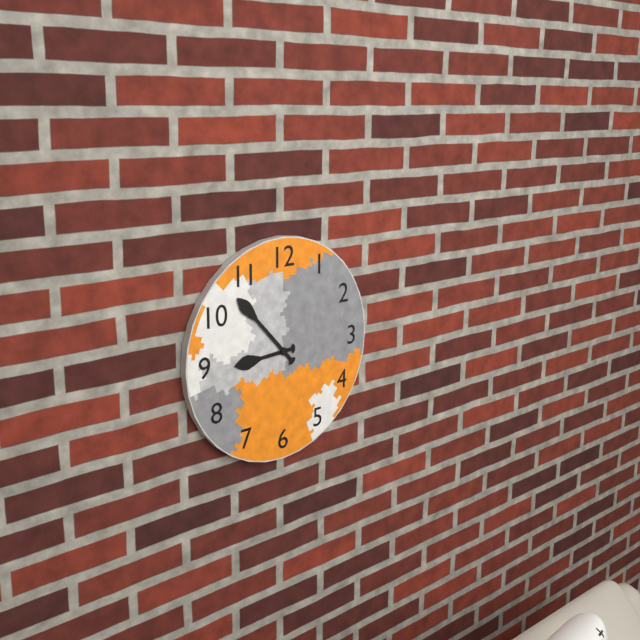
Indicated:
8,53
